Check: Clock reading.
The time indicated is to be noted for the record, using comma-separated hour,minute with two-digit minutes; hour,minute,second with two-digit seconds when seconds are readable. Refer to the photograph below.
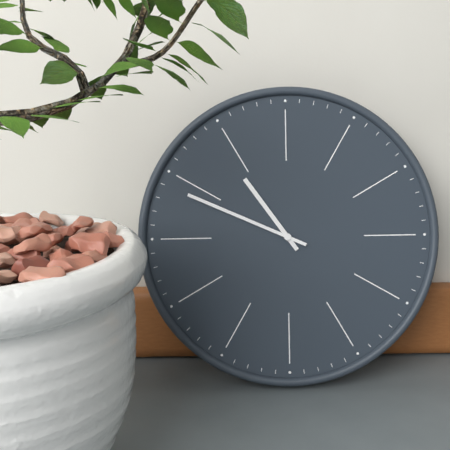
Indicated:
10,49
